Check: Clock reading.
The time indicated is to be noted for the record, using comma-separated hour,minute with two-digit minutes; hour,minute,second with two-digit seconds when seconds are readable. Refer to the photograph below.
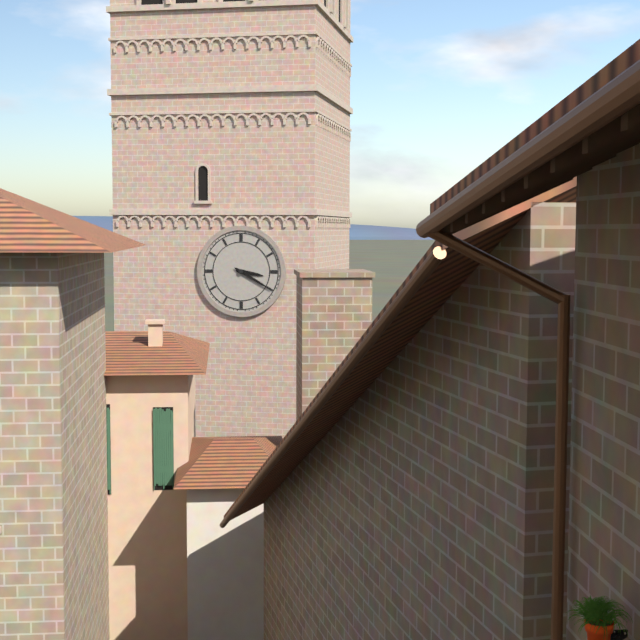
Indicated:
3,20
